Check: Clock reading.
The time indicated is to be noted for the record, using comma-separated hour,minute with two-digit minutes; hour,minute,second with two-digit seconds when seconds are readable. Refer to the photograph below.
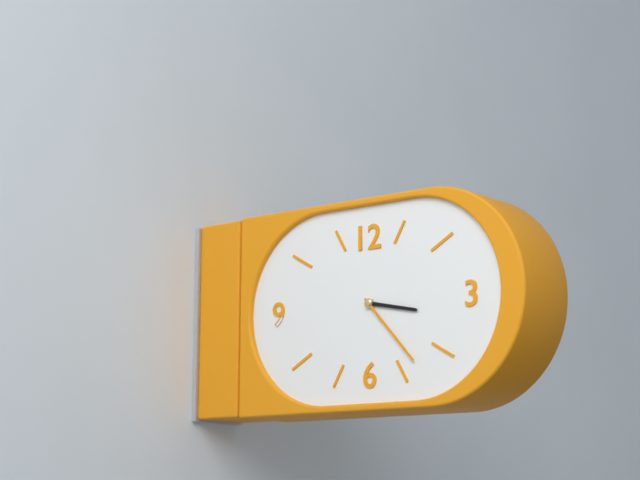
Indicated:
3,23
